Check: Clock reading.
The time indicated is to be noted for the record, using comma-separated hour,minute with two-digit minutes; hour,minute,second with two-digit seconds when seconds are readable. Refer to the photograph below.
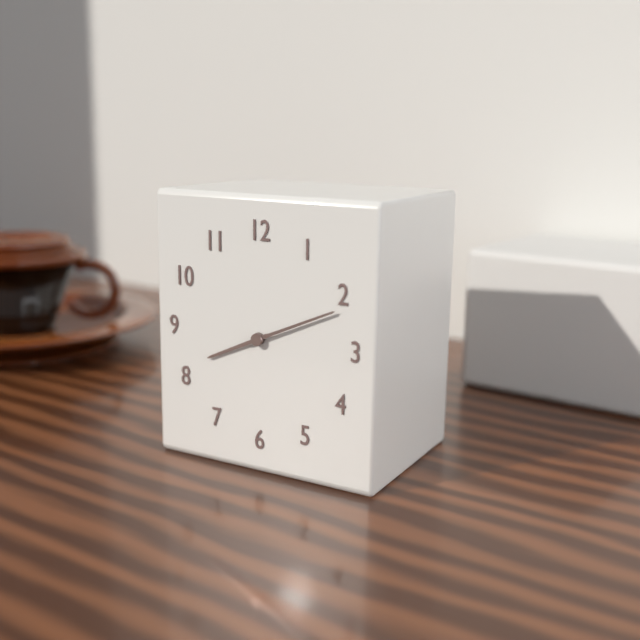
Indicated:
8,11
